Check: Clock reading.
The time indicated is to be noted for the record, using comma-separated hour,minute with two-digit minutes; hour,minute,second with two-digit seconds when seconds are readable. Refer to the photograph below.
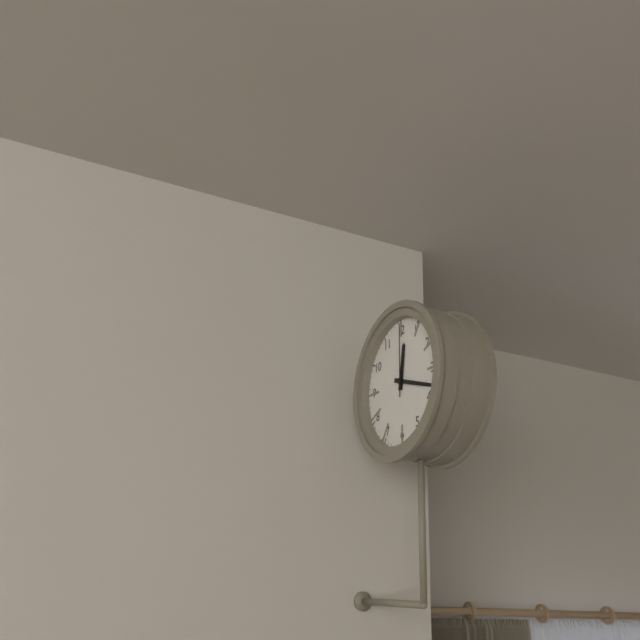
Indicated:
12,18,00
